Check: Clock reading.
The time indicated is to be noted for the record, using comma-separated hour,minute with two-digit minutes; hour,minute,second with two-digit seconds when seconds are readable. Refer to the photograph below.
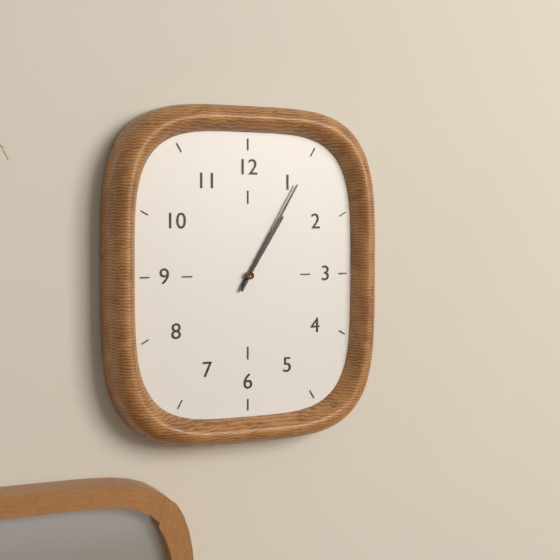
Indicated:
1,05
